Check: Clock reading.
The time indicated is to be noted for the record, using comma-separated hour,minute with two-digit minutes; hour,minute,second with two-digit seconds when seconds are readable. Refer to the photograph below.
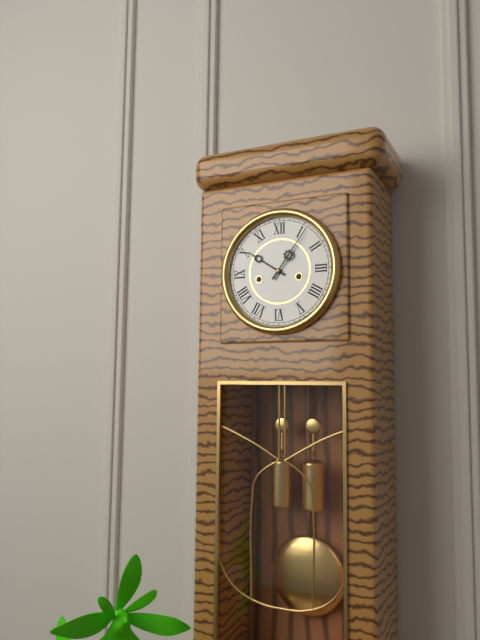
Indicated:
10,06
